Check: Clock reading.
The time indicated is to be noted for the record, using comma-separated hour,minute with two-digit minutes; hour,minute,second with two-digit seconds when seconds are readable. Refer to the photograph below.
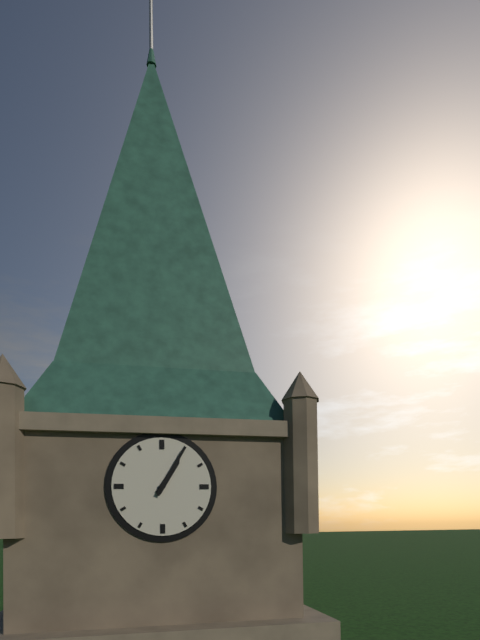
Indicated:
1,05
